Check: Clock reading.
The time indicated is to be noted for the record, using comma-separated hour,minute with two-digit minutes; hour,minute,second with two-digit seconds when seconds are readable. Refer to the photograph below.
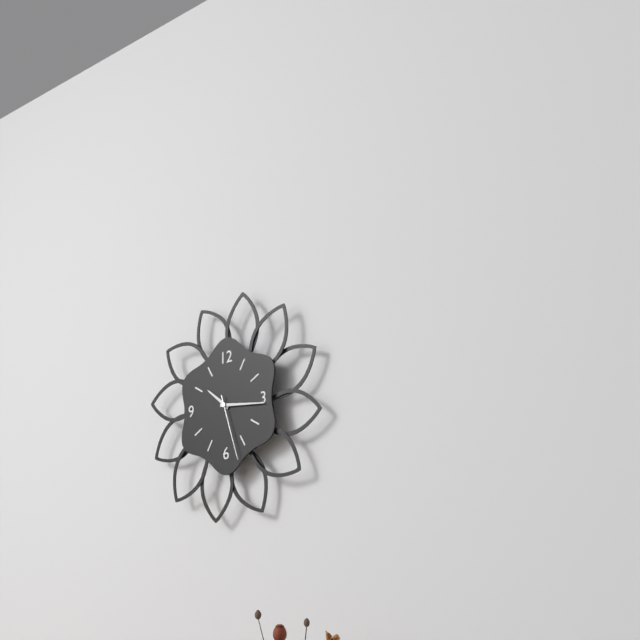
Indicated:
10,16,27
